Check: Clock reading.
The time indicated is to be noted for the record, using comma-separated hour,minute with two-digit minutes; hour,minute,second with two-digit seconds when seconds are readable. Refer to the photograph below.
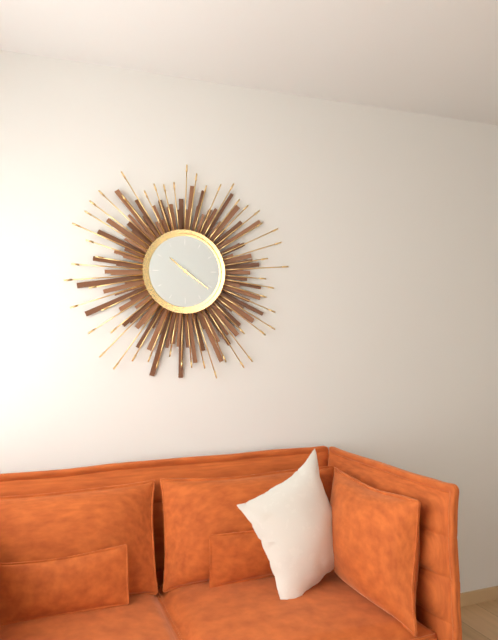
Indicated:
10,21
